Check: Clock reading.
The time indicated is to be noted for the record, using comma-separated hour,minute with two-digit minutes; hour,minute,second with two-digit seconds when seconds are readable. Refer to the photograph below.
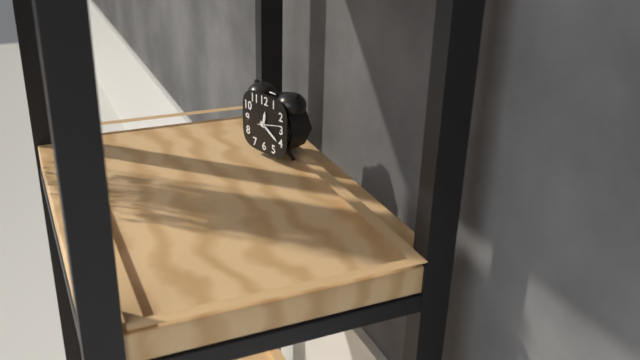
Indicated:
12,20
